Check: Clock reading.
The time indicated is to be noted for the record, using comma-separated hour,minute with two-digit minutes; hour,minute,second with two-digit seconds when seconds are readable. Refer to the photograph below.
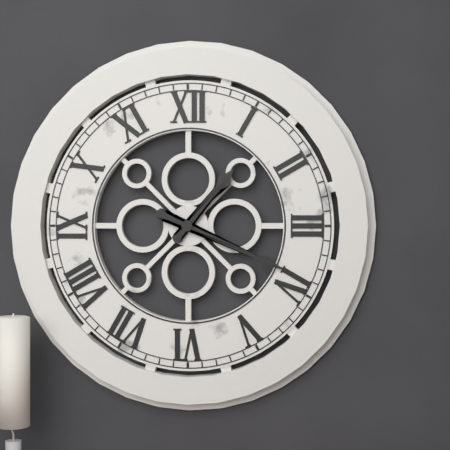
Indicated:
1,19
